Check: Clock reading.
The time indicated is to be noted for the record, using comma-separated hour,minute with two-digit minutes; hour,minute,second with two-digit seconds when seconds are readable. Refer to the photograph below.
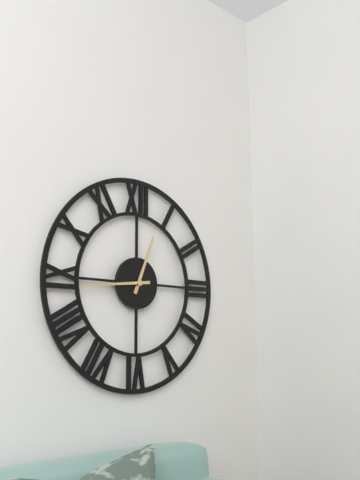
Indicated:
12,44
